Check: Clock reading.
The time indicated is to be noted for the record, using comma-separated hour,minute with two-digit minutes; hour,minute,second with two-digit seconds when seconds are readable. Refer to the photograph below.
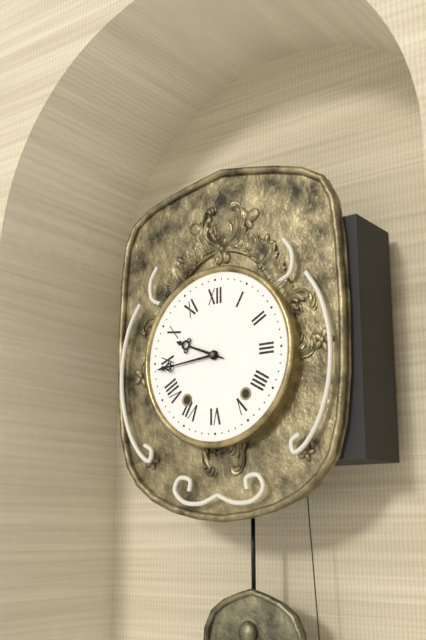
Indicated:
9,44
